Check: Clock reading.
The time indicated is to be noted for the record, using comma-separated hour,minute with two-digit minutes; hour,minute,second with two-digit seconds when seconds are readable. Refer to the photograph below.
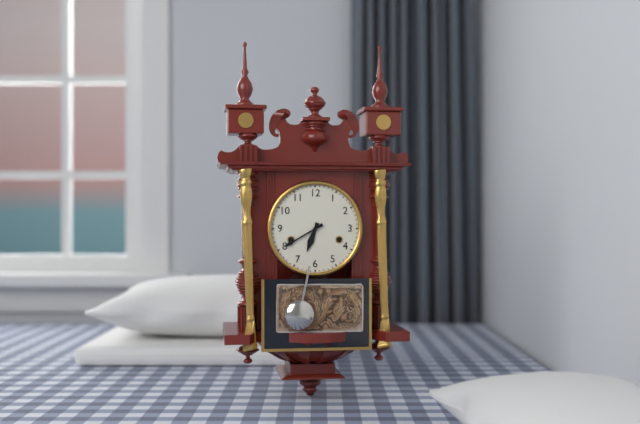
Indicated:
6,40
